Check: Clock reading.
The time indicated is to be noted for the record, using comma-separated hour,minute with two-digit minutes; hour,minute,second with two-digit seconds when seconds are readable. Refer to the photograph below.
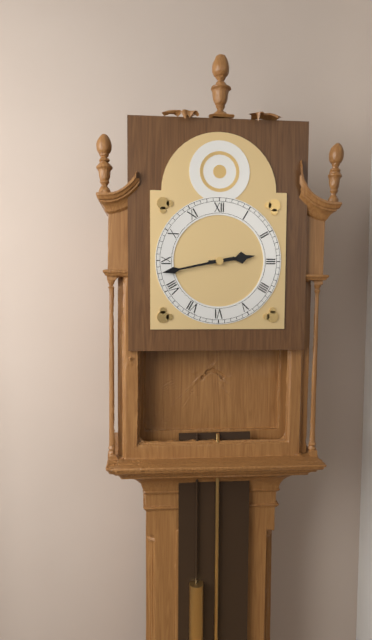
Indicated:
2,43
